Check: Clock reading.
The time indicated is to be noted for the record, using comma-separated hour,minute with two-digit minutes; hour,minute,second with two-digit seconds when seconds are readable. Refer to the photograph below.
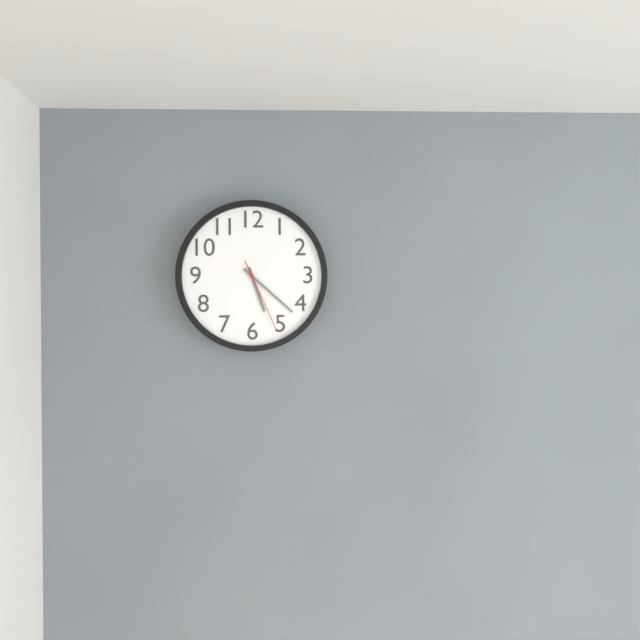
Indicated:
5,22,26
